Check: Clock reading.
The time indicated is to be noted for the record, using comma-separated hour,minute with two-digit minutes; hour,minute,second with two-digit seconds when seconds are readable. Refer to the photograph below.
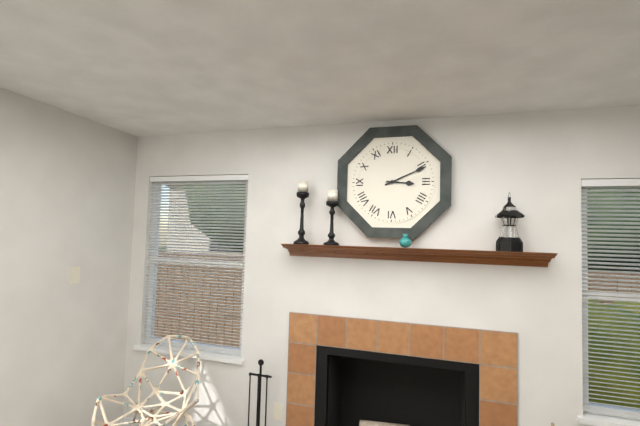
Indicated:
3,11
